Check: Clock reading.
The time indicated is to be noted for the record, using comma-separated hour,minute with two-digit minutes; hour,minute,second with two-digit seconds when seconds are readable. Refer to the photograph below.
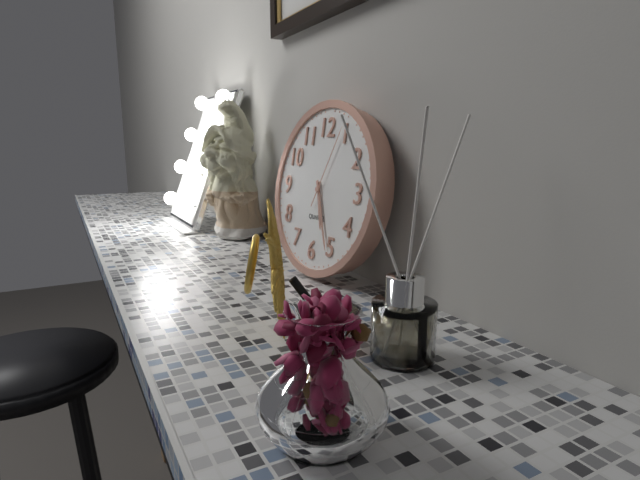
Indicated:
5,26,04
